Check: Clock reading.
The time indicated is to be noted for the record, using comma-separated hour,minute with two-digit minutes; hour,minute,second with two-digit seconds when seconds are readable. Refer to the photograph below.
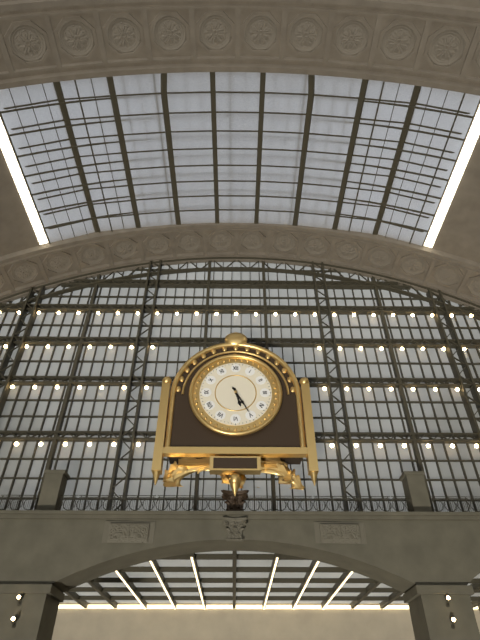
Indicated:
5,25
